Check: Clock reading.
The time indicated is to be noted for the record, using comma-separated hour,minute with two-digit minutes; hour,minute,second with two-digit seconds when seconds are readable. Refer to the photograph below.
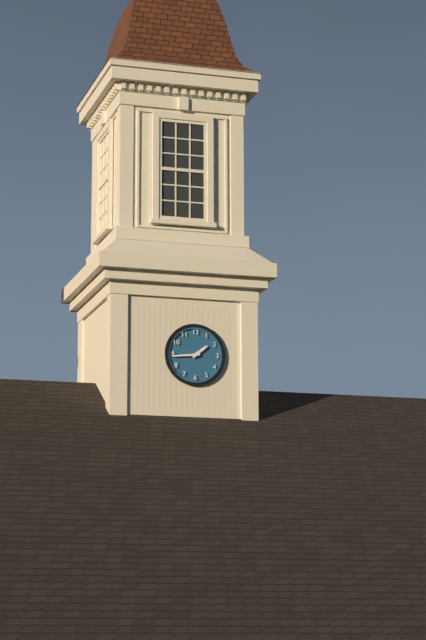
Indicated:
1,44
